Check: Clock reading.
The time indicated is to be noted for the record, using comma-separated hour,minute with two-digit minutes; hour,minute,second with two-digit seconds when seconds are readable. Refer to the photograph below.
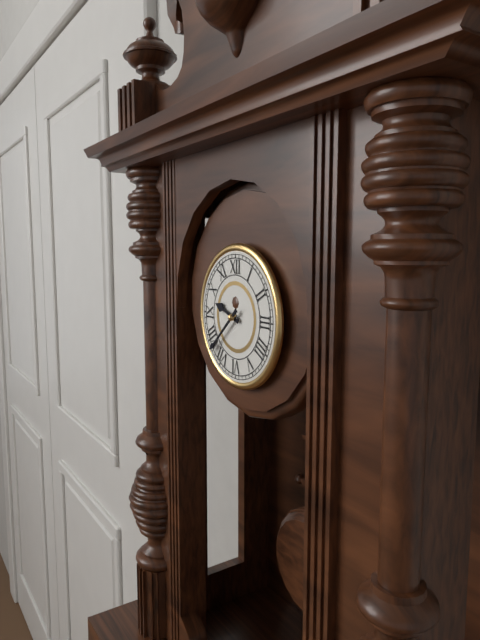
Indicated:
9,38
